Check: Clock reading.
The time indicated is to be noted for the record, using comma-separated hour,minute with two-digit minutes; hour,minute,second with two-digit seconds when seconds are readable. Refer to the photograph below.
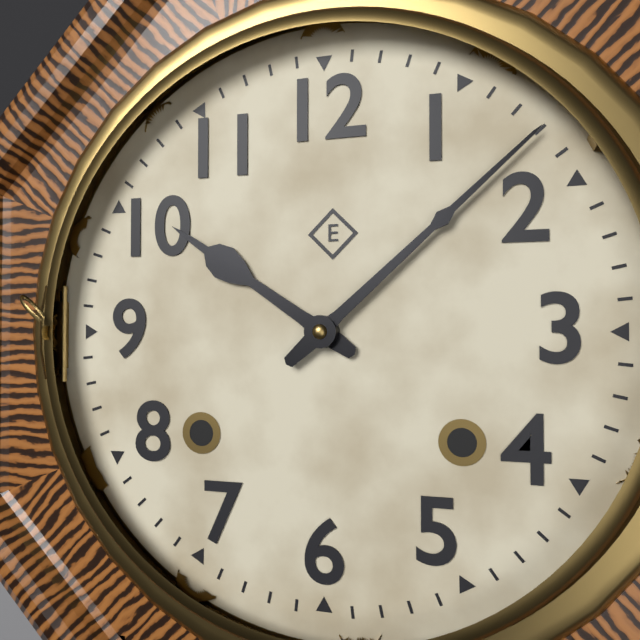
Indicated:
10,08
